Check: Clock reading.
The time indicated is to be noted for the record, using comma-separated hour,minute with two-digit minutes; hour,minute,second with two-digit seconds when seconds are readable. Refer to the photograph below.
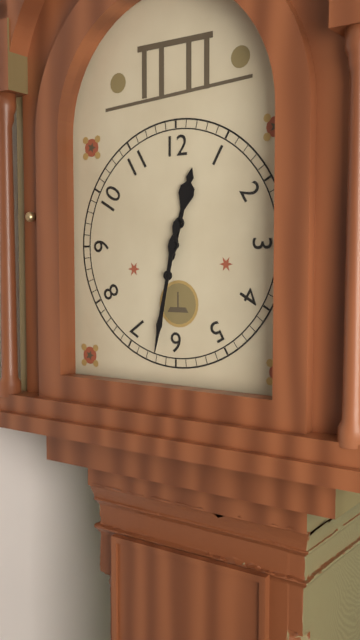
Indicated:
12,32
